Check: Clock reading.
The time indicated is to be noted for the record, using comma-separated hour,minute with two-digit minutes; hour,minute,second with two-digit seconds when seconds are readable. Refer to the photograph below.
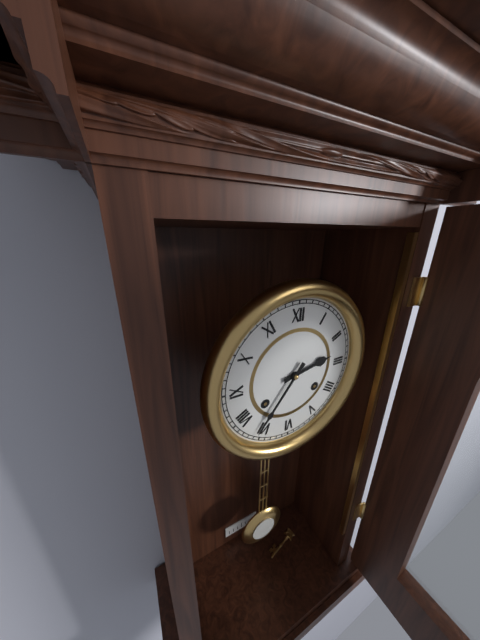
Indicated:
2,36
